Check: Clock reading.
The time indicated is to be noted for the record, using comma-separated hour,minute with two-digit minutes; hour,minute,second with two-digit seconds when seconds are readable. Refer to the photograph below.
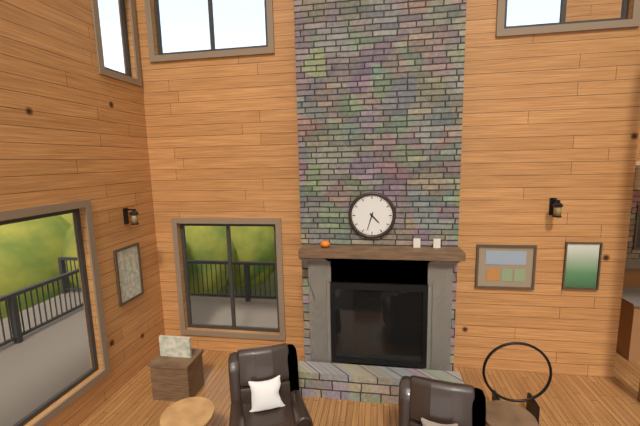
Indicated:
4,33
